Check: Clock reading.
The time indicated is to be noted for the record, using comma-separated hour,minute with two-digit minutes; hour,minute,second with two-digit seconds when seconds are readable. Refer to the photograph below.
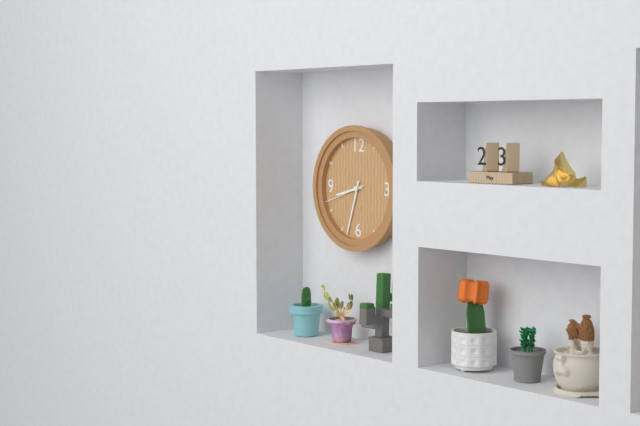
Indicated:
8,33
